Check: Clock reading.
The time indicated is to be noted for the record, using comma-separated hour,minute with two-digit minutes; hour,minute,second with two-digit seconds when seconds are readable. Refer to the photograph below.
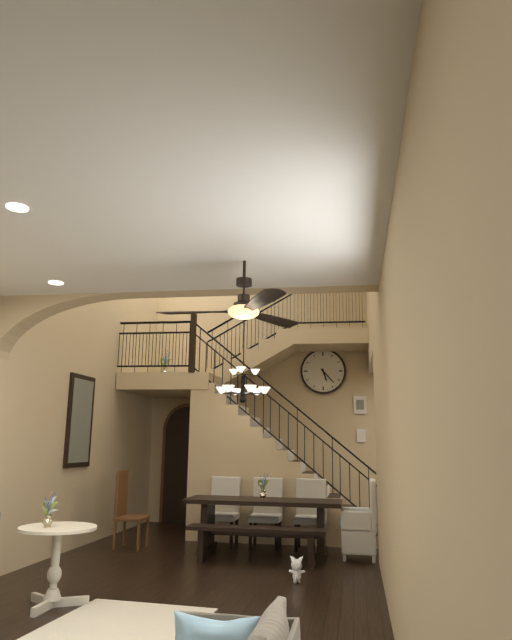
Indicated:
5,23
